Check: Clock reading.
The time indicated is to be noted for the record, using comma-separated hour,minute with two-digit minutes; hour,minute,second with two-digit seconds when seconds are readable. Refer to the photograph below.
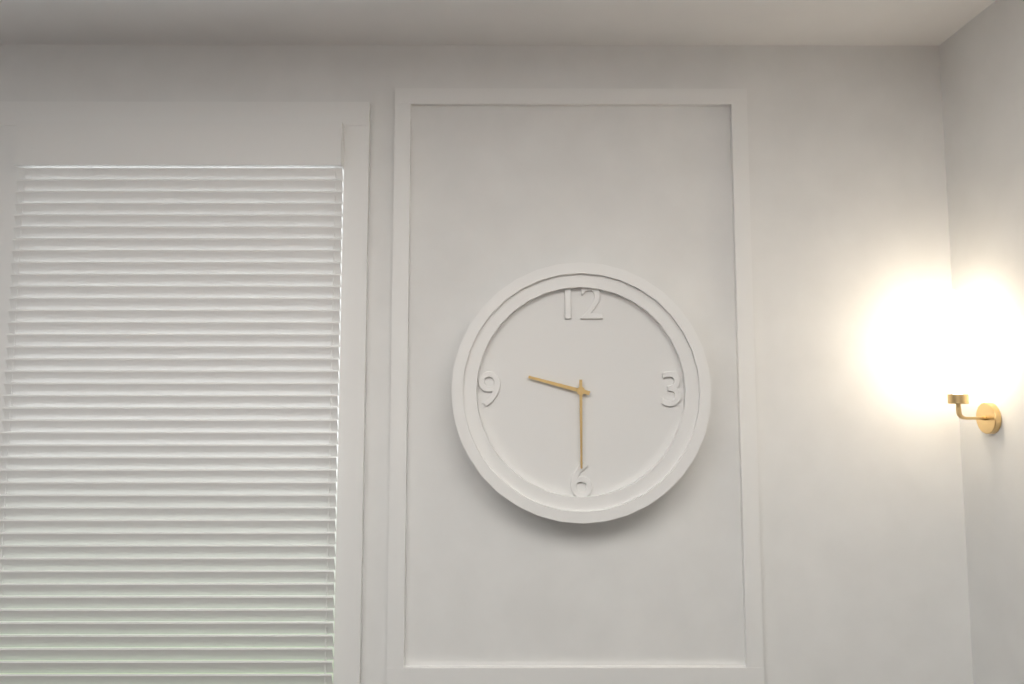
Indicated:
9,30
